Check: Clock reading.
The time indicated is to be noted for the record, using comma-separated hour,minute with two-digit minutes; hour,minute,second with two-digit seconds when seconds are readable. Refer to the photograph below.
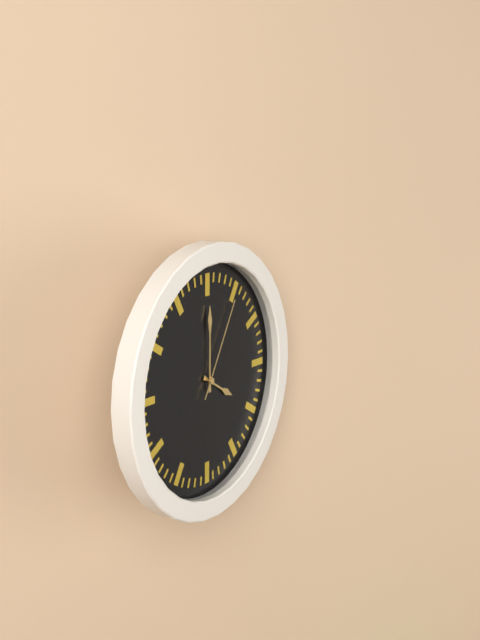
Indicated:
4,00,05
